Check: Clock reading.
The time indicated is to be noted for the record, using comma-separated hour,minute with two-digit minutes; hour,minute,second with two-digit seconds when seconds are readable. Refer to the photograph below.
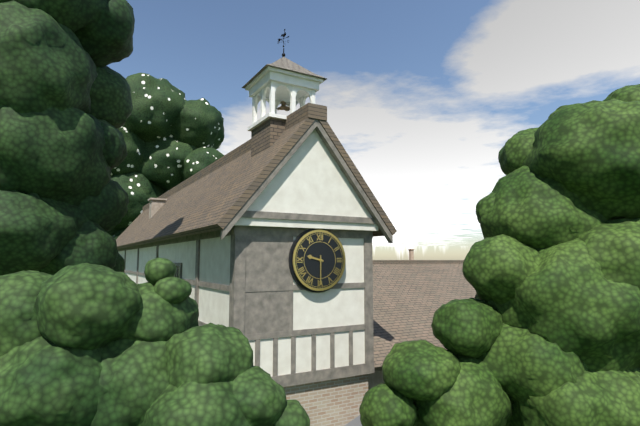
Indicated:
9,30
